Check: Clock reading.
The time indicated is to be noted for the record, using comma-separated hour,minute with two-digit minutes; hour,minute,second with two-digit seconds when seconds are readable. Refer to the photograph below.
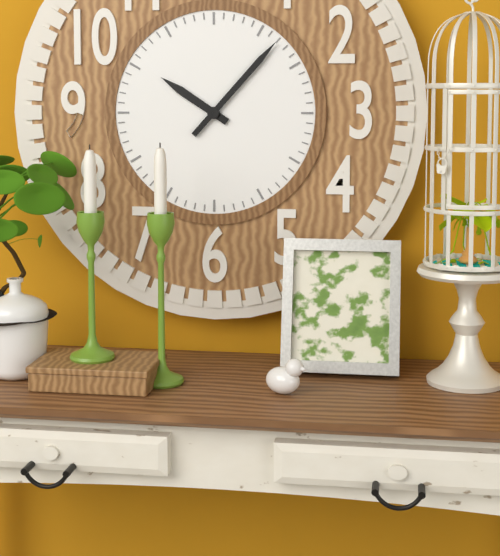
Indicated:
10,07
